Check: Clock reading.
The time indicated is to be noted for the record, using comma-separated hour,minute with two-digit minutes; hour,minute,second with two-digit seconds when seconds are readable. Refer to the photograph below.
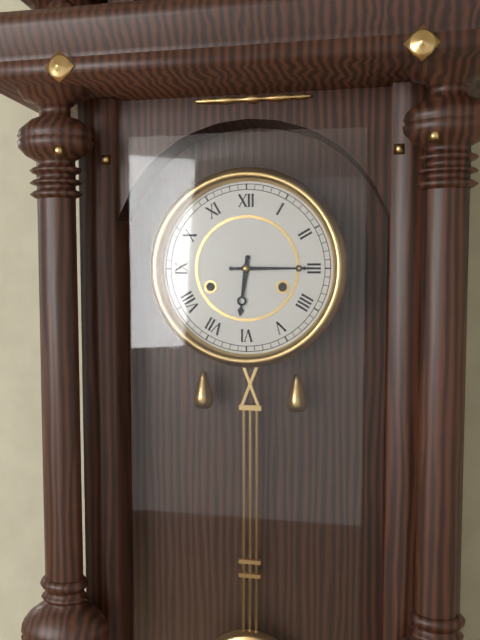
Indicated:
6,15
